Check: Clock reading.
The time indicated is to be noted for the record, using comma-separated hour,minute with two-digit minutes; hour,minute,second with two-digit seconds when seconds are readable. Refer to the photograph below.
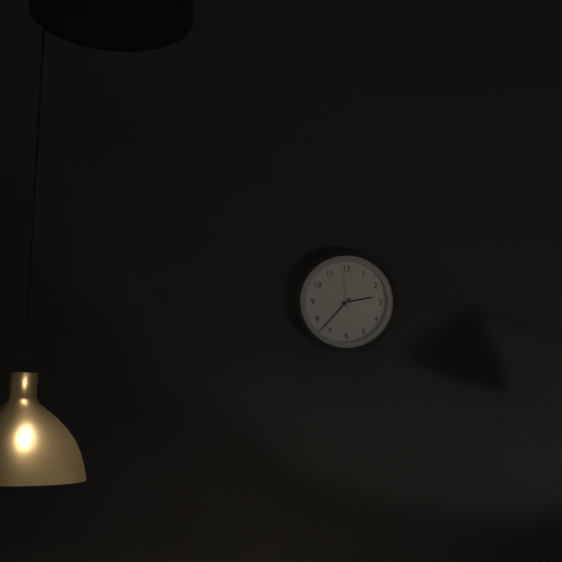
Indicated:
2,37
